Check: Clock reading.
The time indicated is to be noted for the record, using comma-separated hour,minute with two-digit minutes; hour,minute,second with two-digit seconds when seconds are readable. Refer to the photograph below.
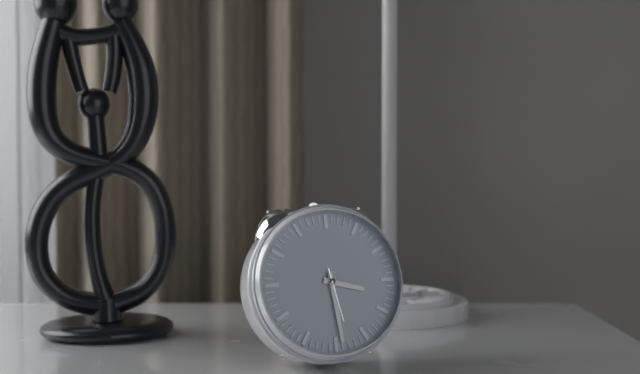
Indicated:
3,29,28
